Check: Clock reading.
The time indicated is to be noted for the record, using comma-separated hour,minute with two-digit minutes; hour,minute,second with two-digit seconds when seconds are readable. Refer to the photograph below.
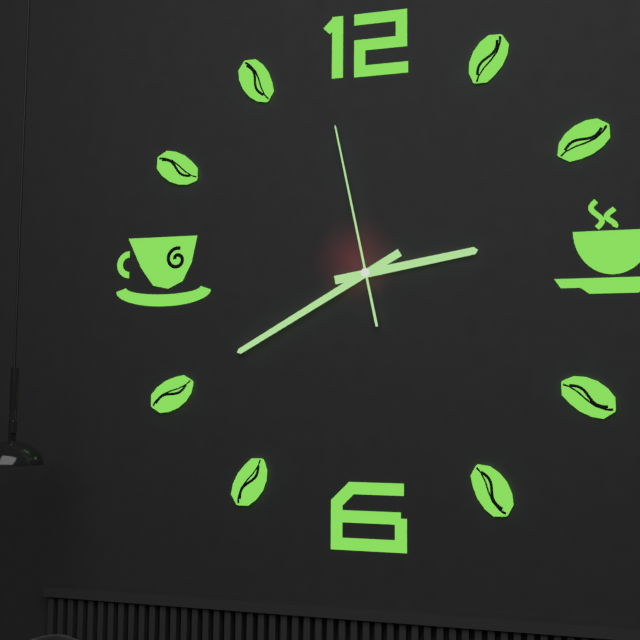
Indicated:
2,40,58
